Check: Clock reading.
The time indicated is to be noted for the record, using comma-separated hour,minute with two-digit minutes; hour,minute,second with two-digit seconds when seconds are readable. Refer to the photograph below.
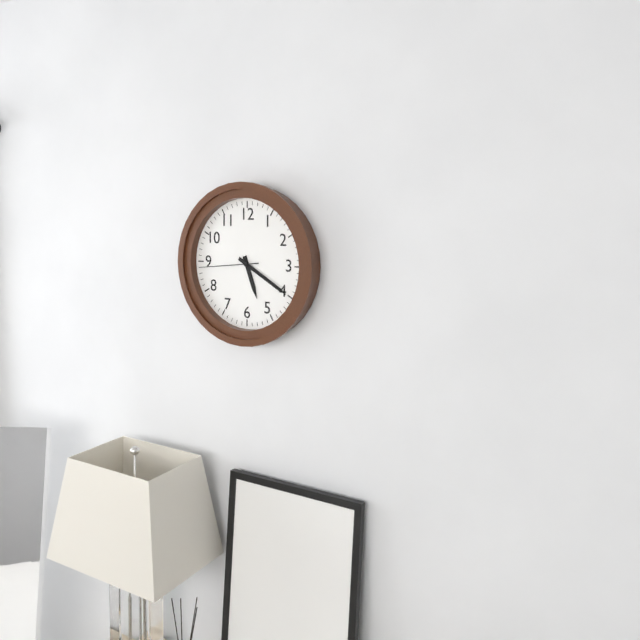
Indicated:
5,20,44
